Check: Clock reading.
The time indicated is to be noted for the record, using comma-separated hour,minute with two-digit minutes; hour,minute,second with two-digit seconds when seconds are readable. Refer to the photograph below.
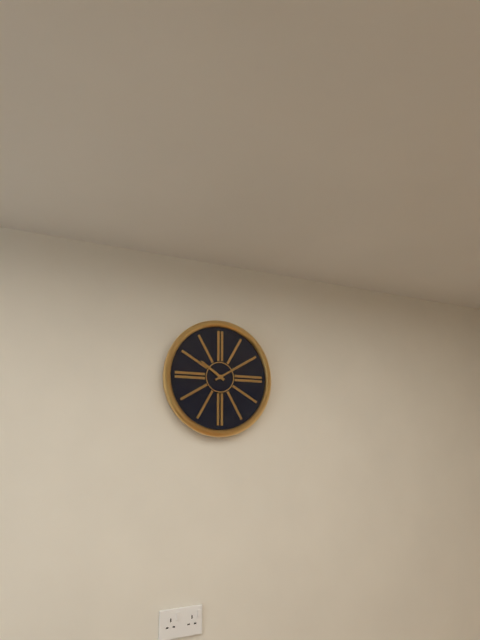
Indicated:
10,10
